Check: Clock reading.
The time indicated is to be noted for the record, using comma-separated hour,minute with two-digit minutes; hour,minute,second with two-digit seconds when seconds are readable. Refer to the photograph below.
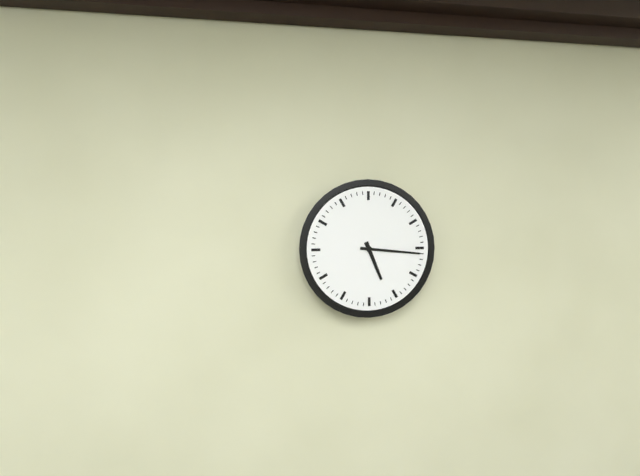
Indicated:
5,16
